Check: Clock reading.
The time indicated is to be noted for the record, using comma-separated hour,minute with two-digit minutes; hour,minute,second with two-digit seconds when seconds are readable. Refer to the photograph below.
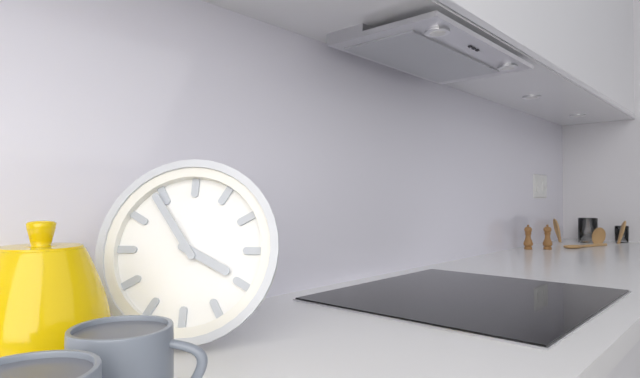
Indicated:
3,54
